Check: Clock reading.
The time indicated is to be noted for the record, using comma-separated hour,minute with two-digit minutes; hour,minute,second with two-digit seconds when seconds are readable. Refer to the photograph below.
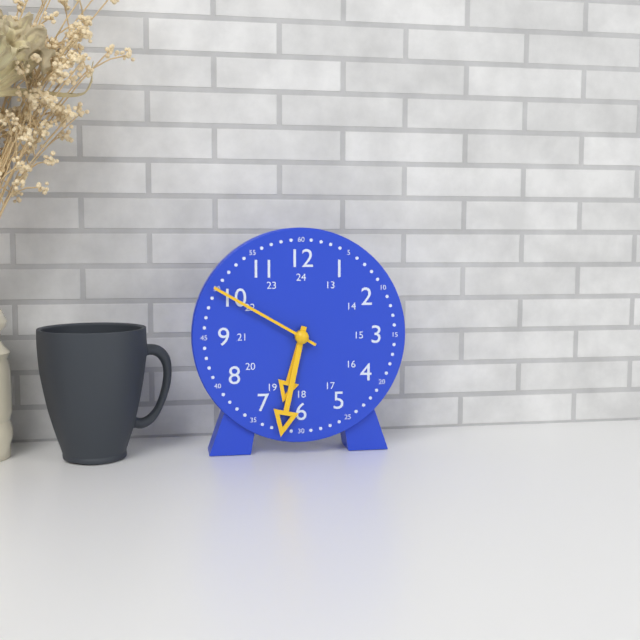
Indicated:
6,32,50
